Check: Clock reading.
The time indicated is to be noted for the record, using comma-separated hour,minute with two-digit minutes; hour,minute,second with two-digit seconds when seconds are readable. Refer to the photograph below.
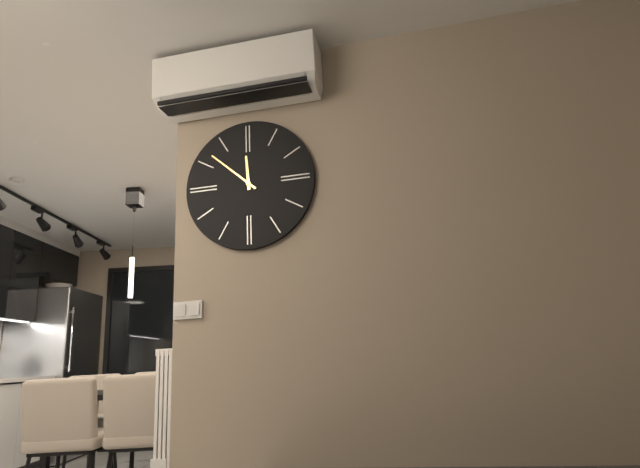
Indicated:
11,52
